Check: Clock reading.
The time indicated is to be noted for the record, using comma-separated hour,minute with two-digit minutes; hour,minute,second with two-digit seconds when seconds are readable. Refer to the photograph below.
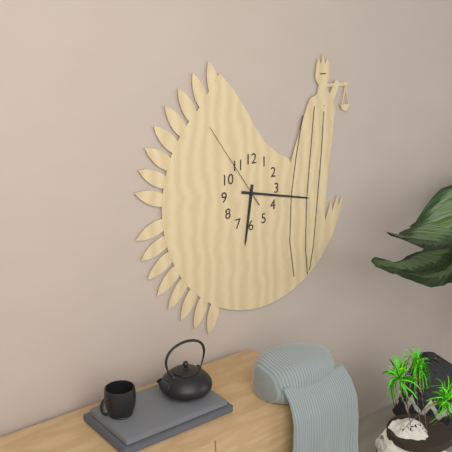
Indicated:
6,17,54
